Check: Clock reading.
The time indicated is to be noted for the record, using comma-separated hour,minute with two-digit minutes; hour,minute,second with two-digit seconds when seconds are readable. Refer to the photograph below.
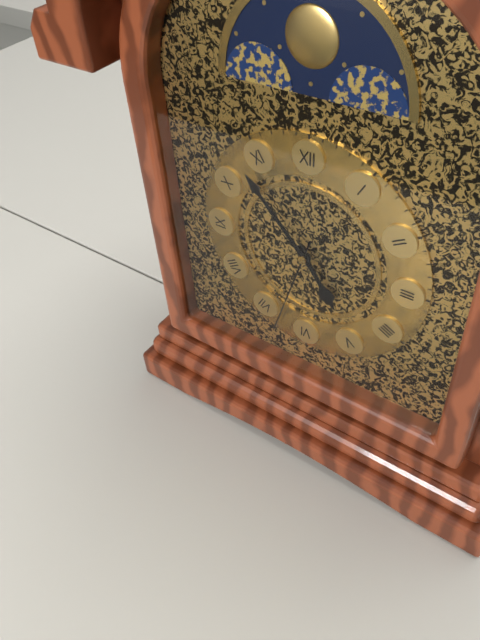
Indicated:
4,53,33
